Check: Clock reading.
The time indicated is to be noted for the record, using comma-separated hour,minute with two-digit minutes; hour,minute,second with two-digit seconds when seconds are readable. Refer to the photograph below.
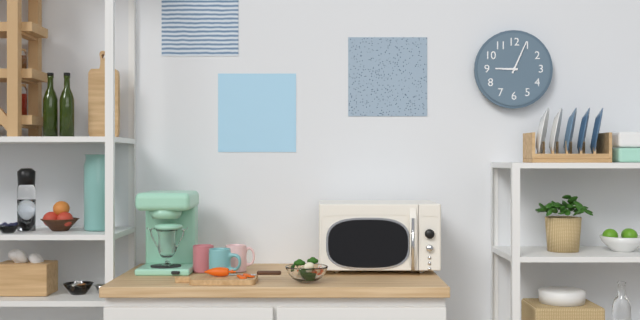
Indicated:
9,04
